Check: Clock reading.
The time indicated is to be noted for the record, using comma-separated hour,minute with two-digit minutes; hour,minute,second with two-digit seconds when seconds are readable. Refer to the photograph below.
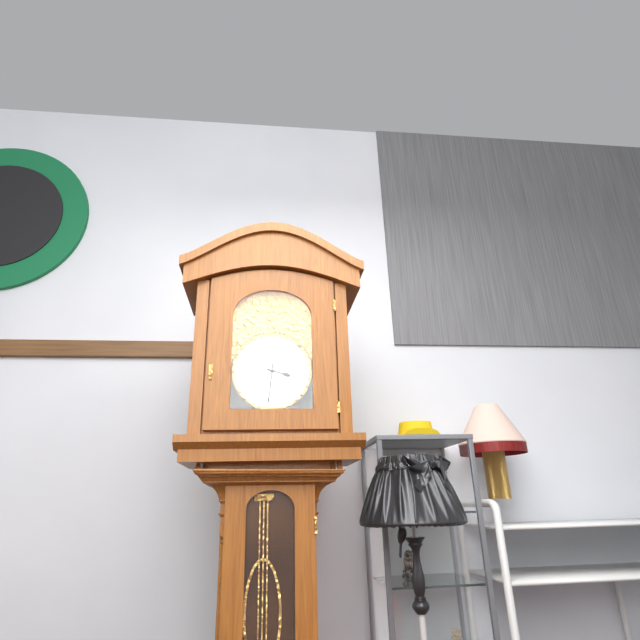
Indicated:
3,31
